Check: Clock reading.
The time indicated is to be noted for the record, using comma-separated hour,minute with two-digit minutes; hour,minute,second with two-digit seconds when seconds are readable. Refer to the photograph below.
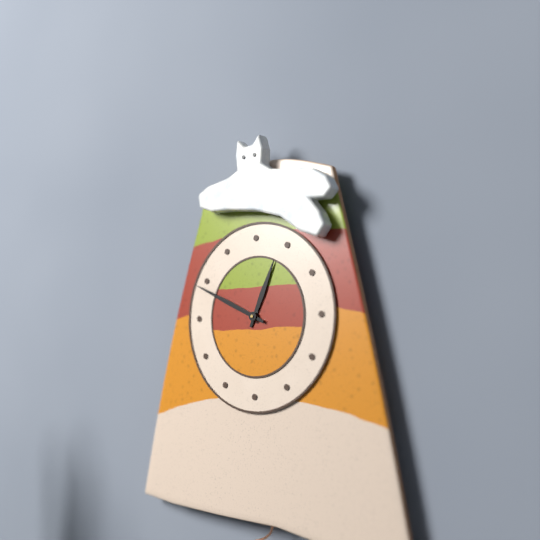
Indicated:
12,49
